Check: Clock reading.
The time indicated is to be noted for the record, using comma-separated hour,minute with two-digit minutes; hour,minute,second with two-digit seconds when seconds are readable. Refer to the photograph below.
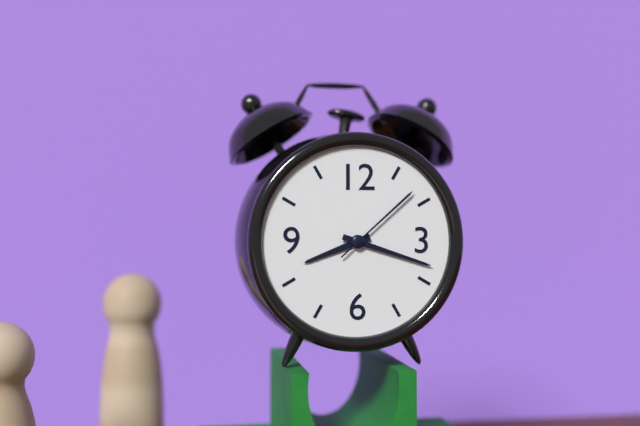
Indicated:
8,18,08
